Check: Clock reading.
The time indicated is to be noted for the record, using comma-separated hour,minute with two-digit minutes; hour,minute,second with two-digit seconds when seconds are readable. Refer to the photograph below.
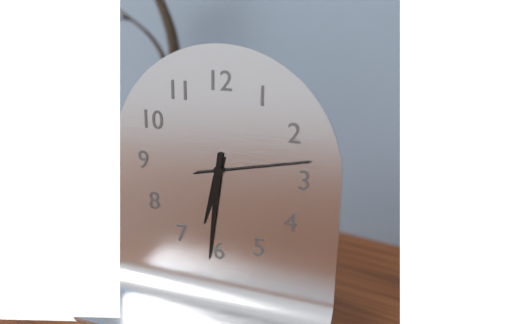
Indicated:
6,31,13
